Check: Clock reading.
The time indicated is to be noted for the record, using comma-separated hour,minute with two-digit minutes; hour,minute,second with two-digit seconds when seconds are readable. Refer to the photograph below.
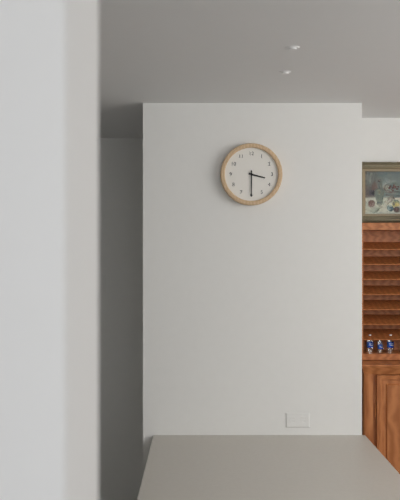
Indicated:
3,30
